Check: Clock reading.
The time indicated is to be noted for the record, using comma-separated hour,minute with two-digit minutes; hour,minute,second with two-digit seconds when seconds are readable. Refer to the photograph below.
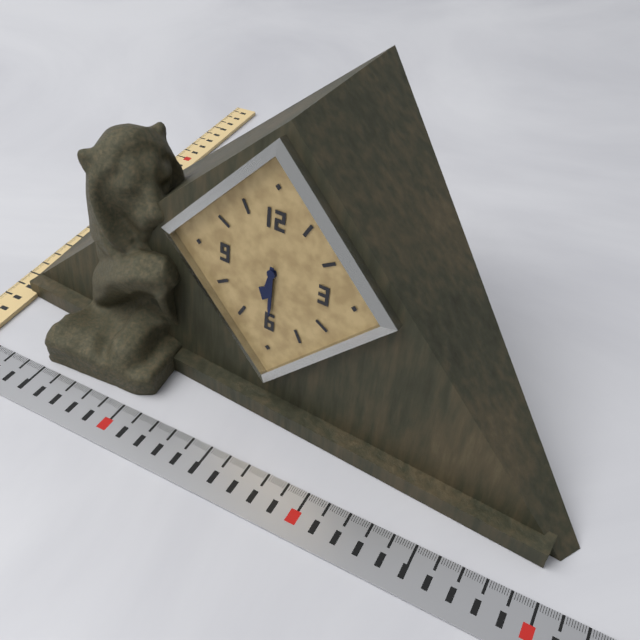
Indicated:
6,30
